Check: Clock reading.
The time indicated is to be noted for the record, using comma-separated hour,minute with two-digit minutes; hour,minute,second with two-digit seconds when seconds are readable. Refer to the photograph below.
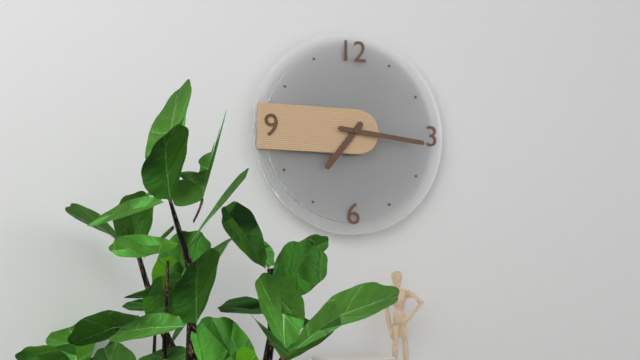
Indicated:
7,16
